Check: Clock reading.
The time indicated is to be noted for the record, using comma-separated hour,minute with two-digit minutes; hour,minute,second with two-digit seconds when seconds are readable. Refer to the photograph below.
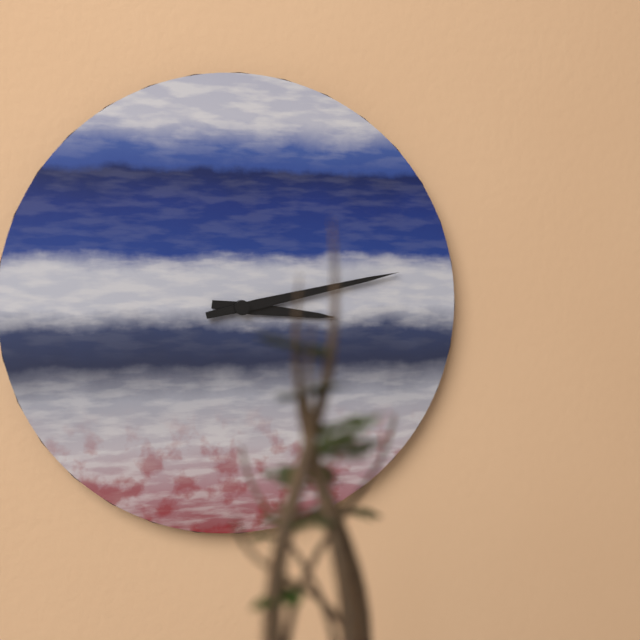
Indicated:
3,13
